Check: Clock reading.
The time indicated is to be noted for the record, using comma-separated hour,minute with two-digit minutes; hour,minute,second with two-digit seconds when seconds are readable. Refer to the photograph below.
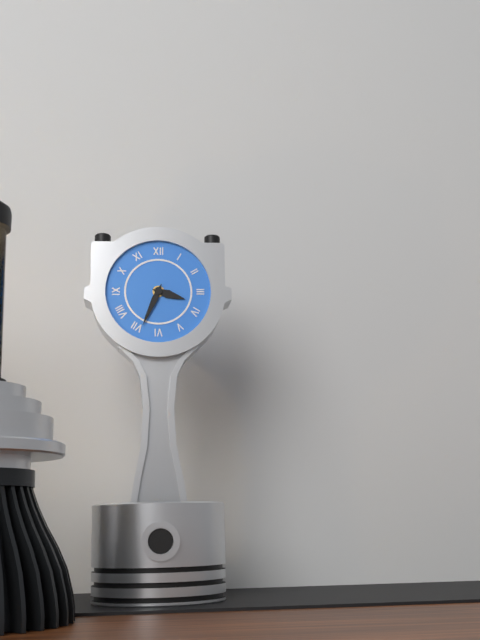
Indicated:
3,34
